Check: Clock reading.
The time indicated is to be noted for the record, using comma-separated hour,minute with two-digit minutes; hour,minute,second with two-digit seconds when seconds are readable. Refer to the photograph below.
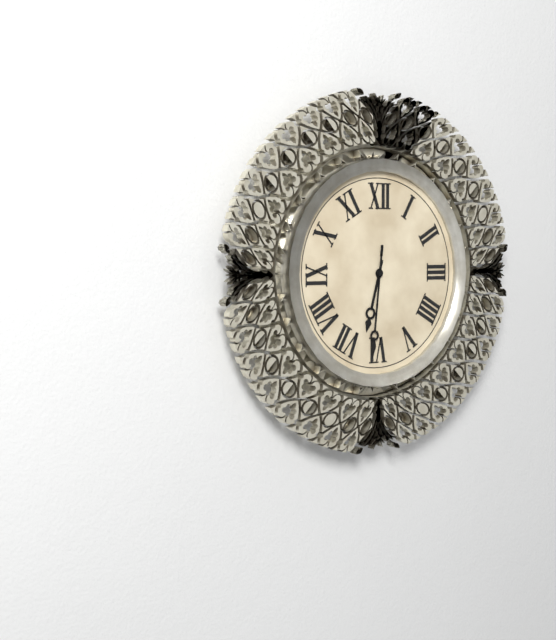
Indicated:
6,31
